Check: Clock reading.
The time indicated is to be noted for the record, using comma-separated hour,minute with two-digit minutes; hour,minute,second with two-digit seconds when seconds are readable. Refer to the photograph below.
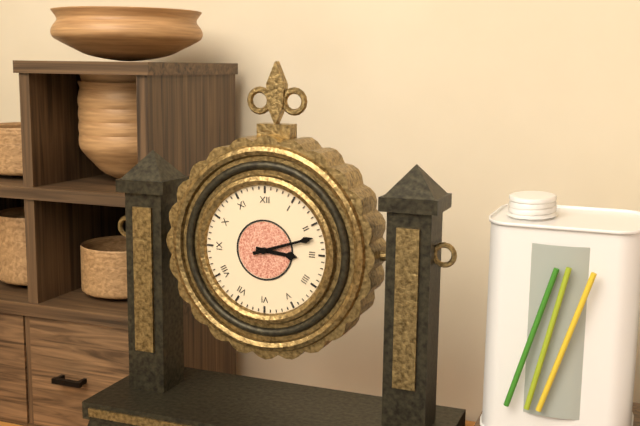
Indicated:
3,12
